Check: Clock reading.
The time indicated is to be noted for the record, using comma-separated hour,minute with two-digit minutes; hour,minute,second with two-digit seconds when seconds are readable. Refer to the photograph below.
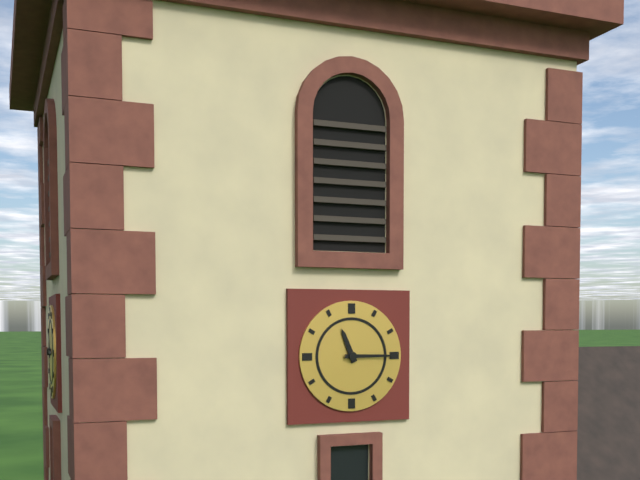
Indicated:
11,15
